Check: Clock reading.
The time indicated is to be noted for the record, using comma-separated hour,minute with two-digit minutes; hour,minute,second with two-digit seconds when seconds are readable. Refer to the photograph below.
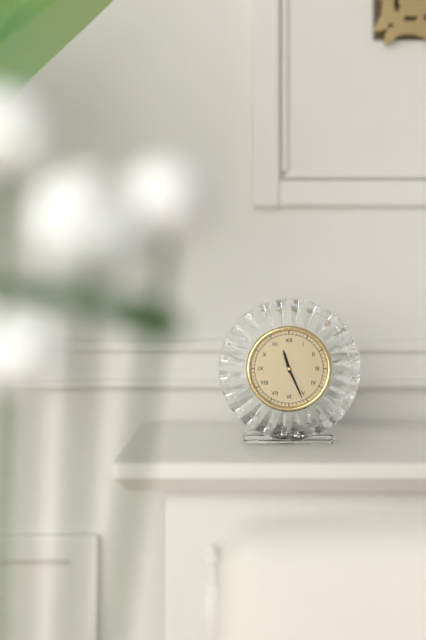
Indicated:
11,26
